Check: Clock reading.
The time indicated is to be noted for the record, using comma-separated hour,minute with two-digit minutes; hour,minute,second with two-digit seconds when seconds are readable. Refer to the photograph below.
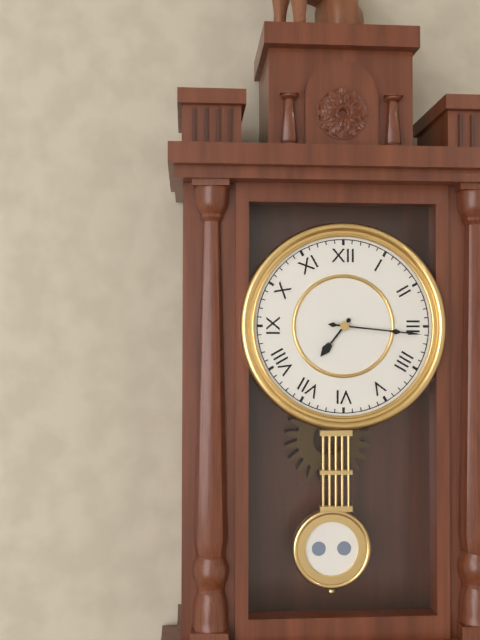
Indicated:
7,16
